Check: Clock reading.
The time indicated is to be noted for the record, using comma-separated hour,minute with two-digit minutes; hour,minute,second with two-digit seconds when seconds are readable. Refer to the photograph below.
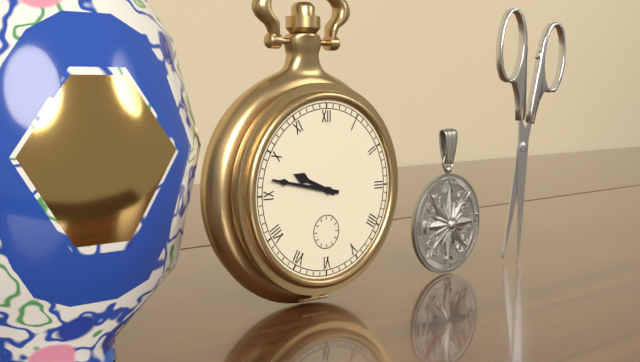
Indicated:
9,47
